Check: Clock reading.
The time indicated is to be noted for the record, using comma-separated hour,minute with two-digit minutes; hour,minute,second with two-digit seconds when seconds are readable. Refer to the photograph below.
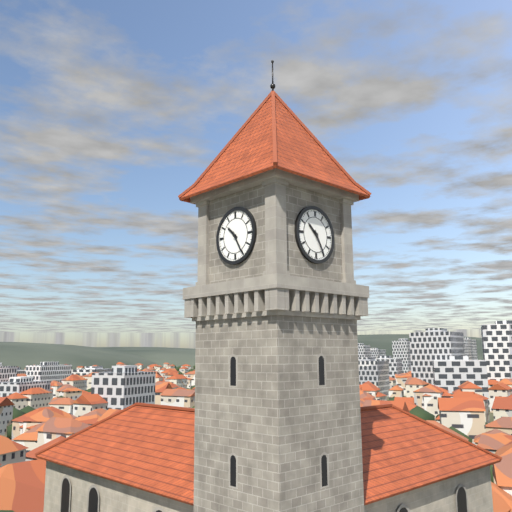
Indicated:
10,25
